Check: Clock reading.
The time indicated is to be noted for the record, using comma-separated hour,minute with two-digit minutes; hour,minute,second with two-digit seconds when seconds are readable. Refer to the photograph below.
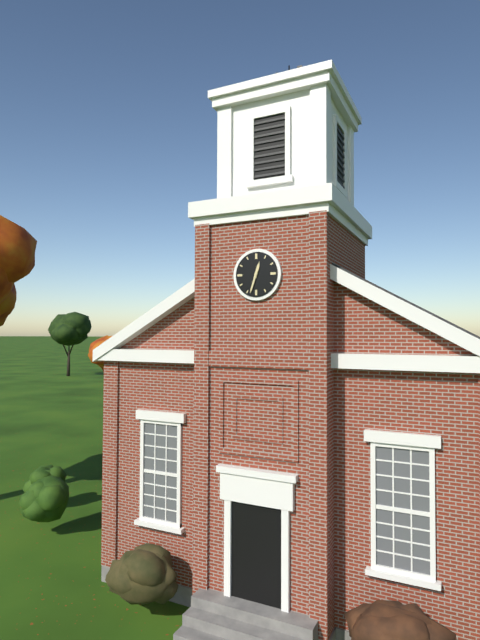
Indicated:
12,33
